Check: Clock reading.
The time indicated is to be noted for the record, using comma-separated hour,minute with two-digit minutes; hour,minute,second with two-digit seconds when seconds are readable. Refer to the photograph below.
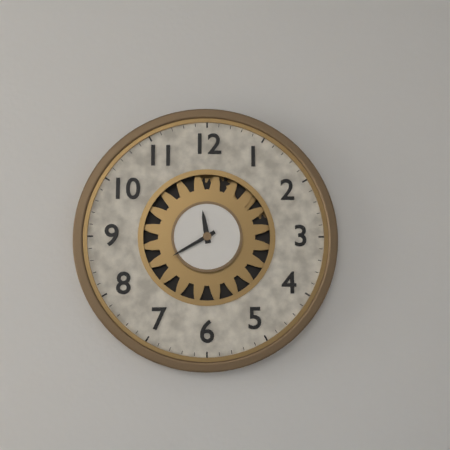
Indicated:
11,40
